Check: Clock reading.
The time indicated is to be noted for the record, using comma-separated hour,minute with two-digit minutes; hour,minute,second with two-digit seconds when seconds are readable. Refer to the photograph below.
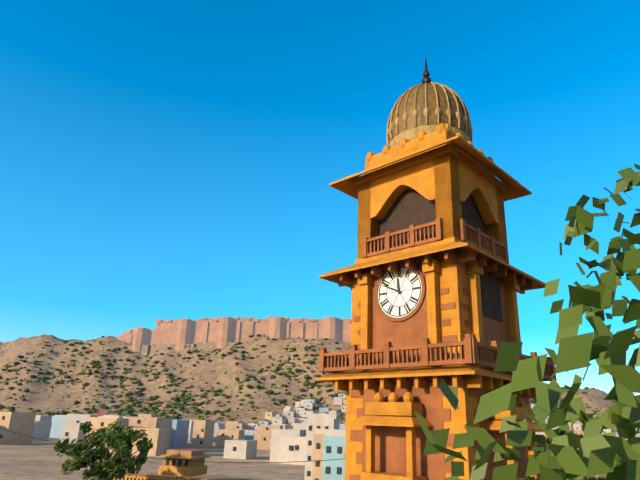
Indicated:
11,49
